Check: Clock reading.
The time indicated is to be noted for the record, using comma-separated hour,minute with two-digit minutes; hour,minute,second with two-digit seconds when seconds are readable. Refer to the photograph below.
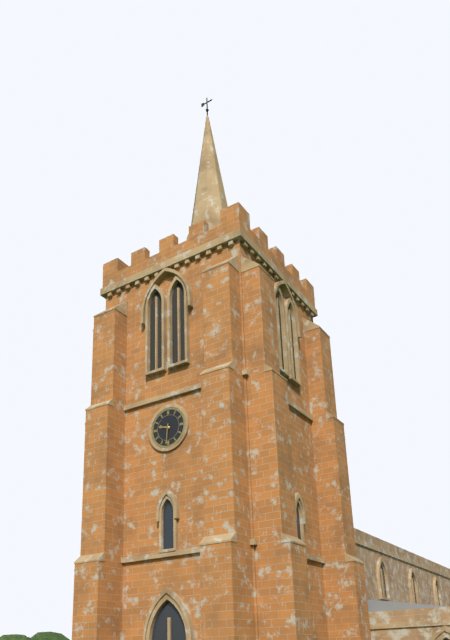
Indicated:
9,31
